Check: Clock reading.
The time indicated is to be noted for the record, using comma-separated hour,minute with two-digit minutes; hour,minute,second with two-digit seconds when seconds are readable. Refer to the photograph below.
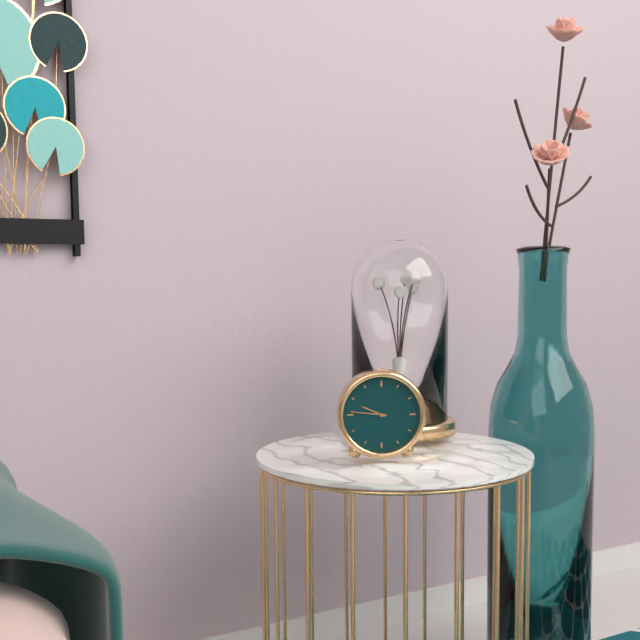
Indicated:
9,46
